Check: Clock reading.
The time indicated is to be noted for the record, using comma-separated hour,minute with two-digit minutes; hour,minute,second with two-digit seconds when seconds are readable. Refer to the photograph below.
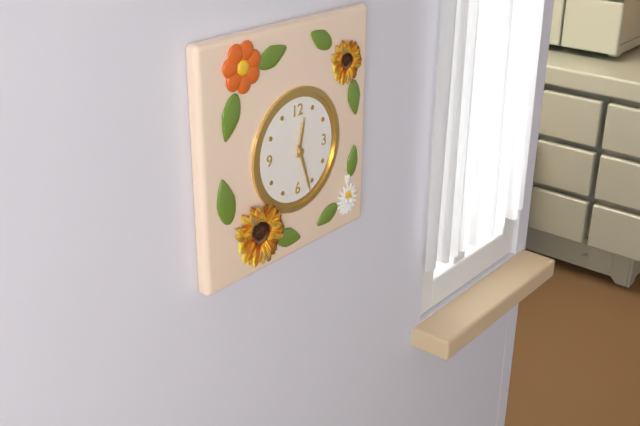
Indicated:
12,27
